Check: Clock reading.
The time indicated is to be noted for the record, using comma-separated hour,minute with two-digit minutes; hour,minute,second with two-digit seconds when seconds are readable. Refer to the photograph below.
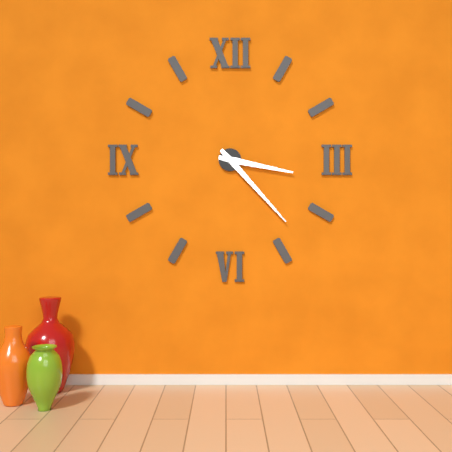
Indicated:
3,23
